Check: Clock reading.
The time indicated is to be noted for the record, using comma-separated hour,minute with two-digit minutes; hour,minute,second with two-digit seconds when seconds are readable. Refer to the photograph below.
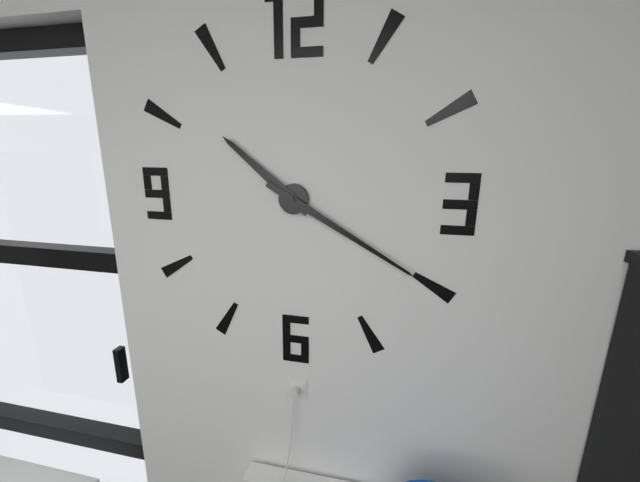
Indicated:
10,20
